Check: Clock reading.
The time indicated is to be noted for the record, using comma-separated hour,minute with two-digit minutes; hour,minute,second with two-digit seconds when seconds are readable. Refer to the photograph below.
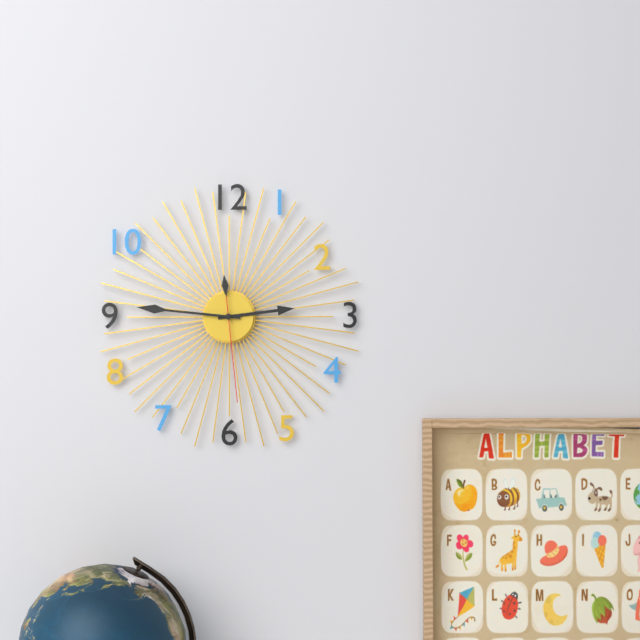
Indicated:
2,46,29
